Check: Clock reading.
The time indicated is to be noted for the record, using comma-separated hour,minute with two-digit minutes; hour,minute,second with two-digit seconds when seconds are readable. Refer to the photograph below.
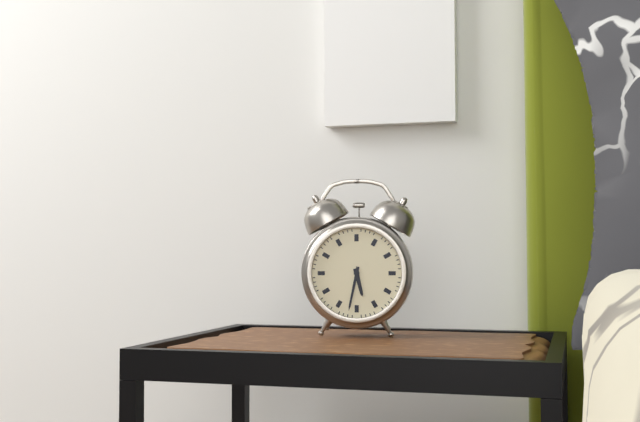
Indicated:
5,32
